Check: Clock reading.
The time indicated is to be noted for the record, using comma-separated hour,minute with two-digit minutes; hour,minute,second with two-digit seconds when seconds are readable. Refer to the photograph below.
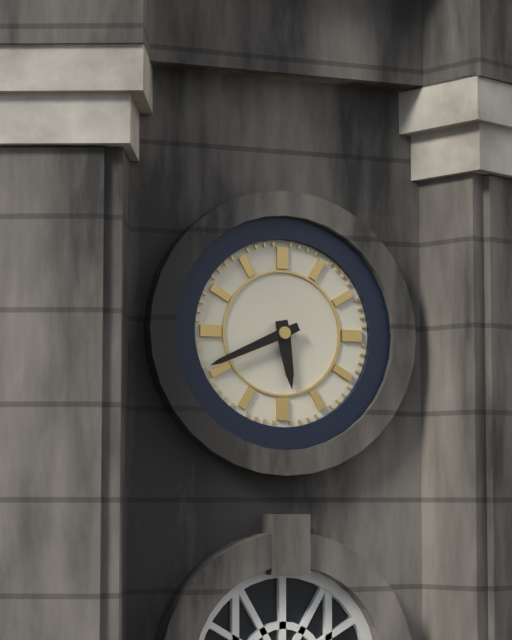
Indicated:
5,41
